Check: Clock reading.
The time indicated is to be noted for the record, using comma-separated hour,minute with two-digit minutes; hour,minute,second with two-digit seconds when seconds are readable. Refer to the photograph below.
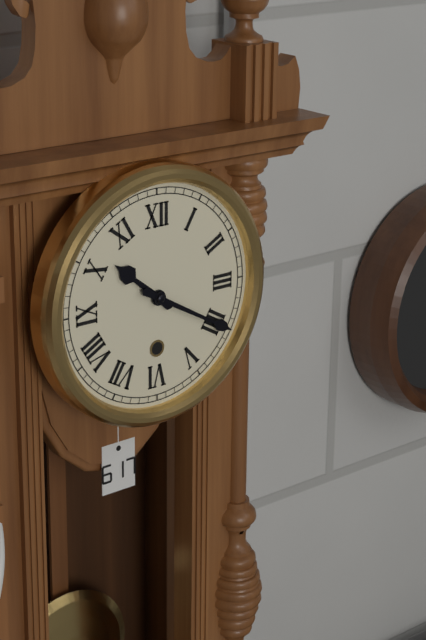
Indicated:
10,20
